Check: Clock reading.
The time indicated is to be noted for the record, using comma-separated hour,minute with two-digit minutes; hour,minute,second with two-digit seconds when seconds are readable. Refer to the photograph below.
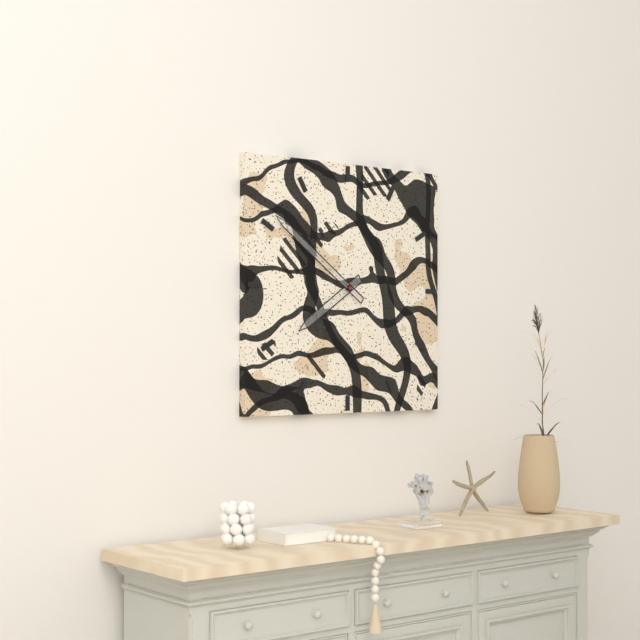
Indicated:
7,51
